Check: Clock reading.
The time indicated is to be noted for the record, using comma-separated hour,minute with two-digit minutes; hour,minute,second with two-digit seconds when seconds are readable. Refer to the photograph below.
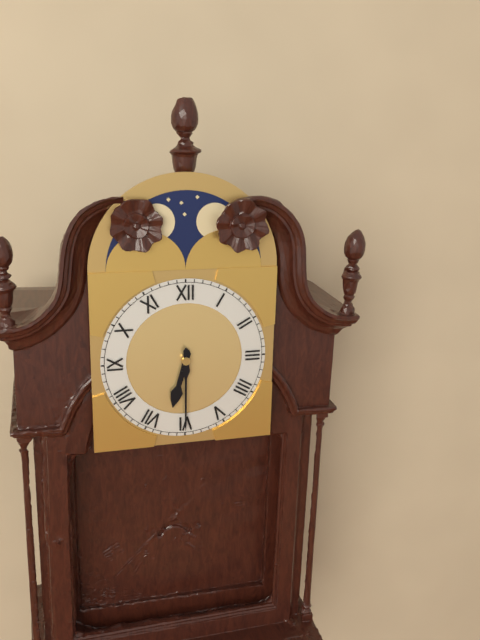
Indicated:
6,30
